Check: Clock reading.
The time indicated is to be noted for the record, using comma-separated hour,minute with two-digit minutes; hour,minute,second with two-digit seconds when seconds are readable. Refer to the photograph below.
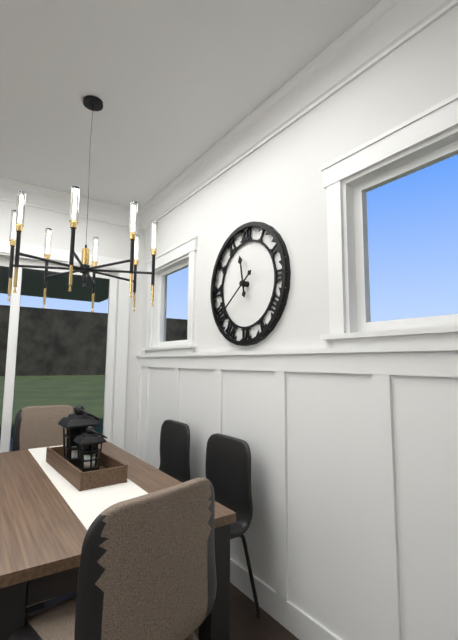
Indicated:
11,39
